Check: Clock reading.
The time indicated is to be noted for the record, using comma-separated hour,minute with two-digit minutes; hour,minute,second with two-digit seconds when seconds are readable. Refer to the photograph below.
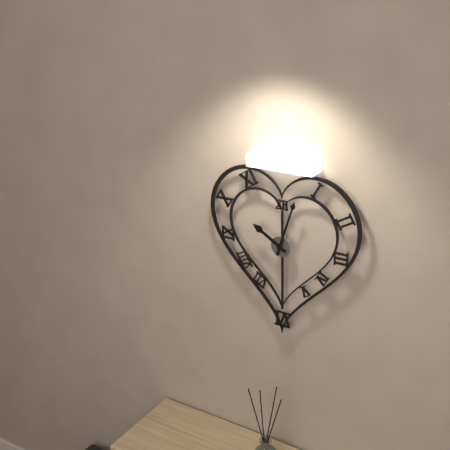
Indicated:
10,03
